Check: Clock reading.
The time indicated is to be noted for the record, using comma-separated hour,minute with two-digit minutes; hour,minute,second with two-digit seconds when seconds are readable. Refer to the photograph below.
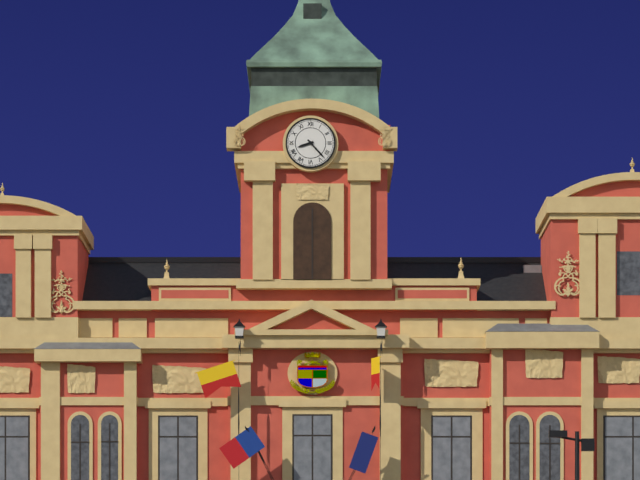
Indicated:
8,23
